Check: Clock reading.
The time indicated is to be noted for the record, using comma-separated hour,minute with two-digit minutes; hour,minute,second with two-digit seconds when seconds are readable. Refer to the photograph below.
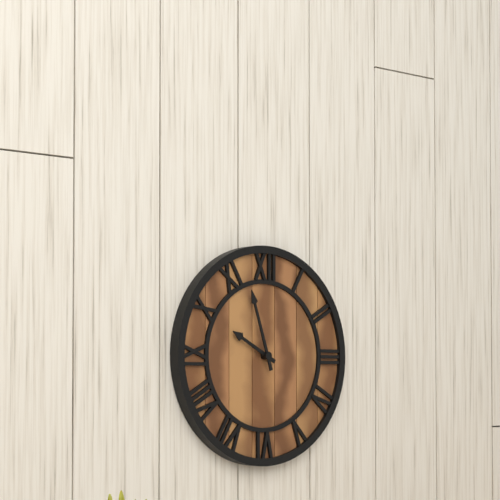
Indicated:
9,57
